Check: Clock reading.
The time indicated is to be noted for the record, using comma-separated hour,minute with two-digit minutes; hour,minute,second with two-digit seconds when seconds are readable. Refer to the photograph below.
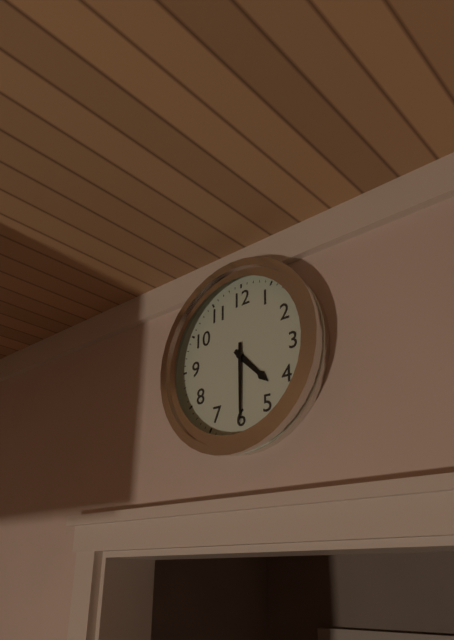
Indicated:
4,30
